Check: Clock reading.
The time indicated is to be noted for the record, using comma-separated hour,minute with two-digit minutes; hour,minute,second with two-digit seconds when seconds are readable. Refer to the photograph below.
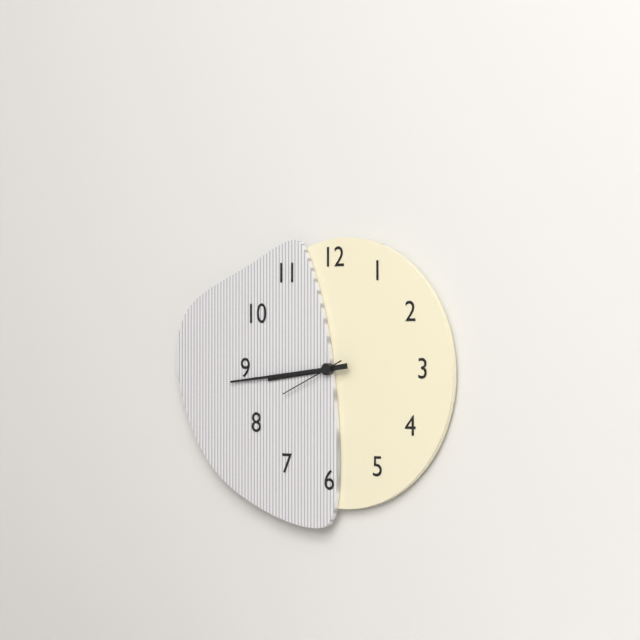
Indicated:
8,44,41
